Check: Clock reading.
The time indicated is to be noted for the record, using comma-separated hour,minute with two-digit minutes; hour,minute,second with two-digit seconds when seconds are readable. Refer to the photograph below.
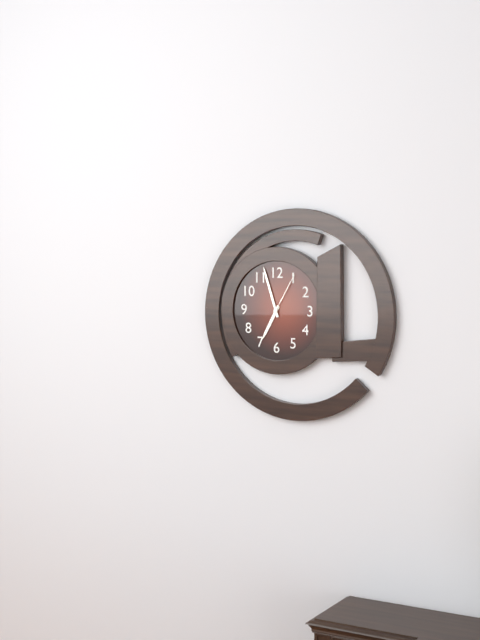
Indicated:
6,57
